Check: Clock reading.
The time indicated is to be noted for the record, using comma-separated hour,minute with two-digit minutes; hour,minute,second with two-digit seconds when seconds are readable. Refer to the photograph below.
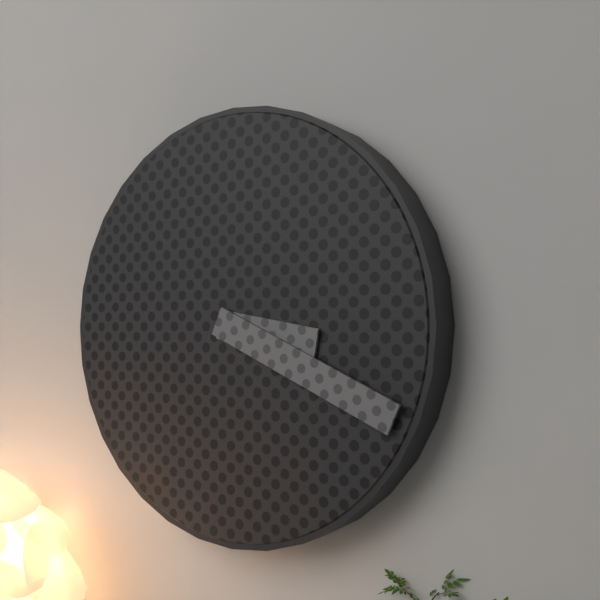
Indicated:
3,19
